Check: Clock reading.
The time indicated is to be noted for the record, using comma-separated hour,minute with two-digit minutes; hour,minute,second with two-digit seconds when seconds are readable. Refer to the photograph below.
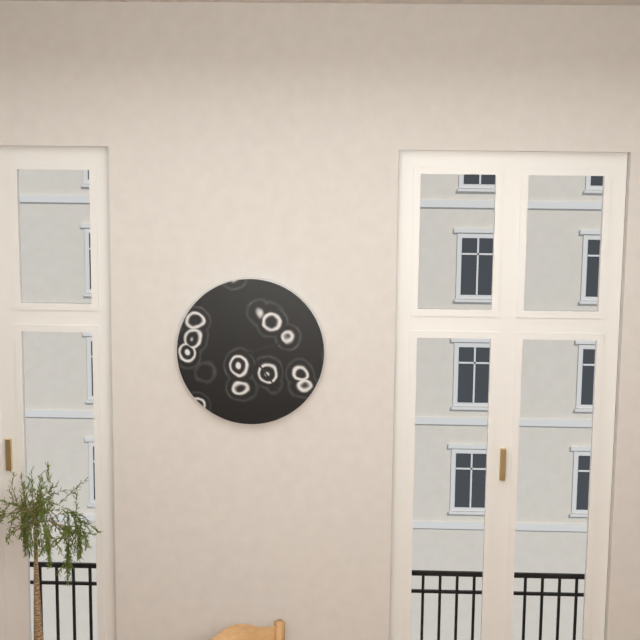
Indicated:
2,24
